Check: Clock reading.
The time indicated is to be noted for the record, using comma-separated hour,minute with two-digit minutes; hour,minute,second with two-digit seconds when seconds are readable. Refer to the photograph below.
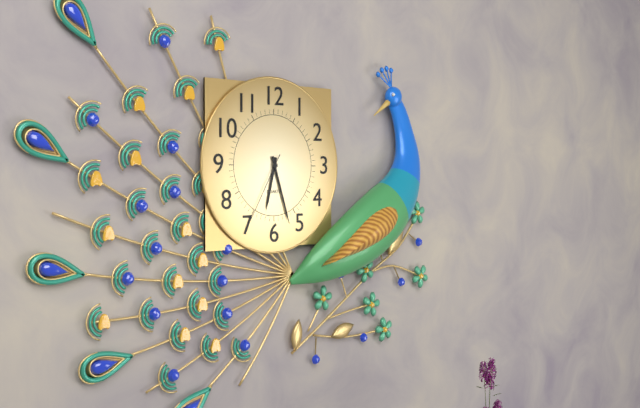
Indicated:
6,27,35
